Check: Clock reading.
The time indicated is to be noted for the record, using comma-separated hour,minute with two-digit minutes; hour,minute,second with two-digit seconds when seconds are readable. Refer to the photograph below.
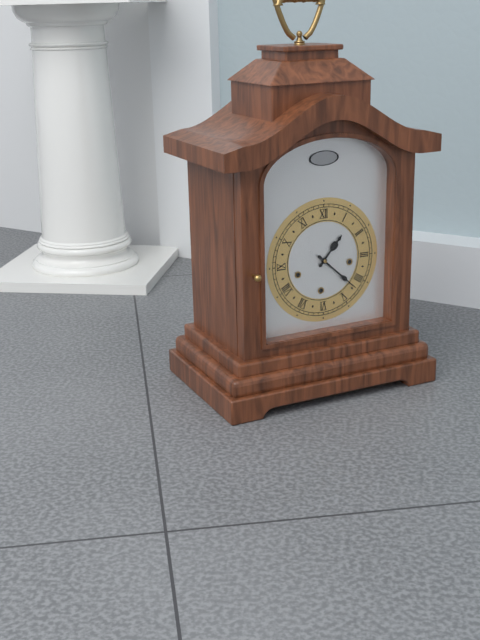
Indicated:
1,22
